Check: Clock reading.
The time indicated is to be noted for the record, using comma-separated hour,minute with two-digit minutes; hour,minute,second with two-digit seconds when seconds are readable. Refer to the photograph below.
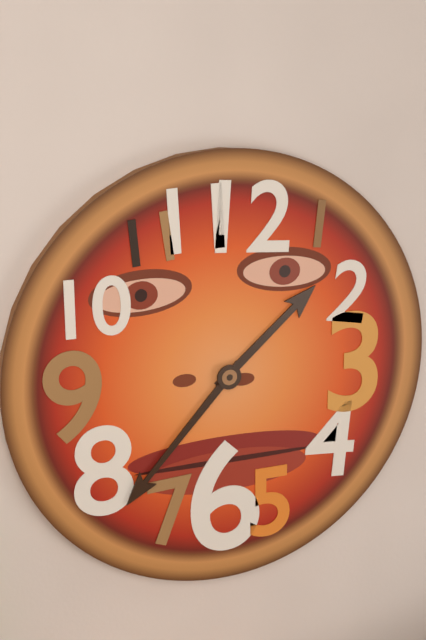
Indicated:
1,37
